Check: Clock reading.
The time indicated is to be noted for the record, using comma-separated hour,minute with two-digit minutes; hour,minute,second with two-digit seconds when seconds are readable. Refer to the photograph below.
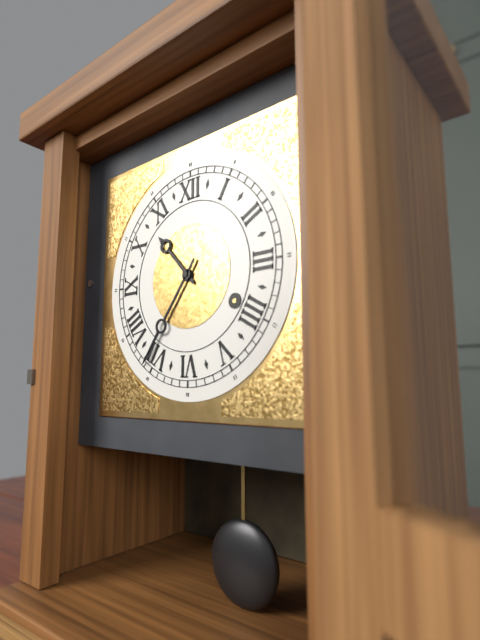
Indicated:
10,36
